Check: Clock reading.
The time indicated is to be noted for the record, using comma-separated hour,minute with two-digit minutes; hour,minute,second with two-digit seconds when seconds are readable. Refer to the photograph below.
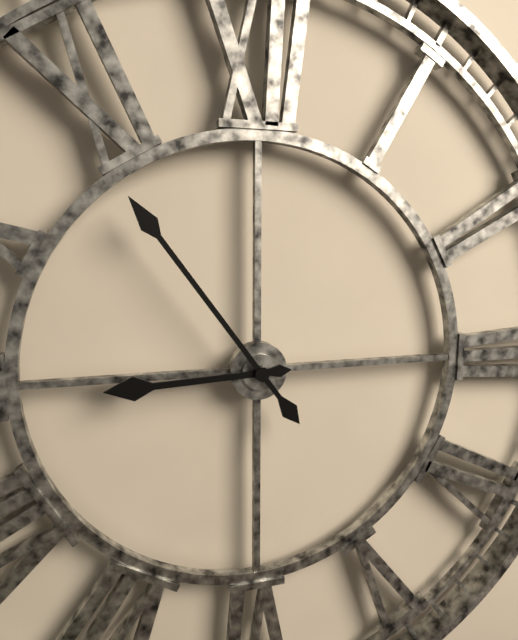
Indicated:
8,54
